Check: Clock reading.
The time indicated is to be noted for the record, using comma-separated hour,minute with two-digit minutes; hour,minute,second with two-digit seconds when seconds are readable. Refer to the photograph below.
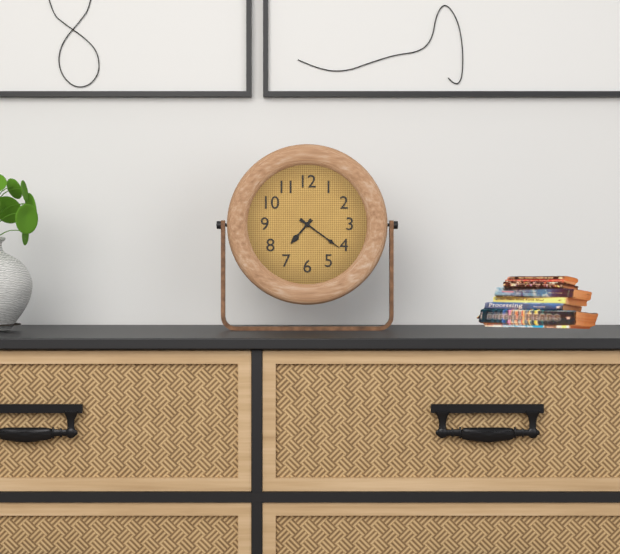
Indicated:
7,21
